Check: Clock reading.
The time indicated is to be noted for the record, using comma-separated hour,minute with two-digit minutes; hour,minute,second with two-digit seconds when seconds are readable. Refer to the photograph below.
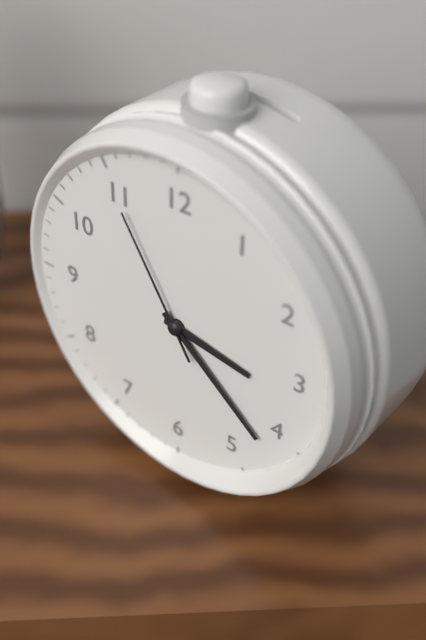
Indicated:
3,22,55
